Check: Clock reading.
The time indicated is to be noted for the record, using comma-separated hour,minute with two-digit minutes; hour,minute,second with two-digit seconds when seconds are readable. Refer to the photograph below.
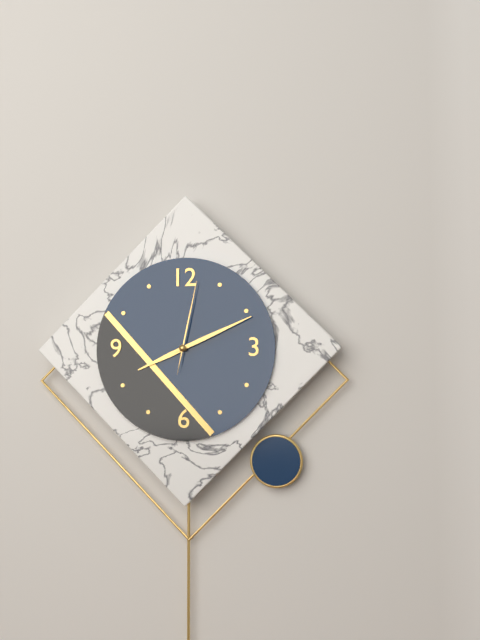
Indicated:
8,11,02
